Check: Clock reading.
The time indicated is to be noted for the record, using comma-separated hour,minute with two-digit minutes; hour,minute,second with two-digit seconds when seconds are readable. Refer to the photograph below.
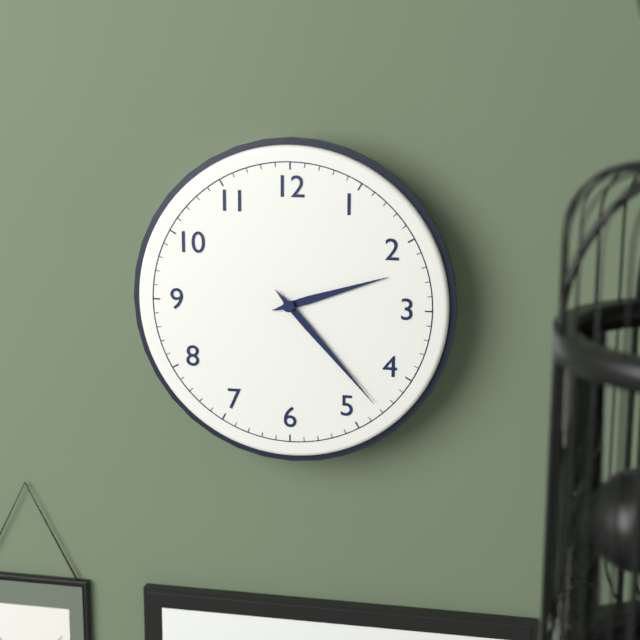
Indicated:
2,23
